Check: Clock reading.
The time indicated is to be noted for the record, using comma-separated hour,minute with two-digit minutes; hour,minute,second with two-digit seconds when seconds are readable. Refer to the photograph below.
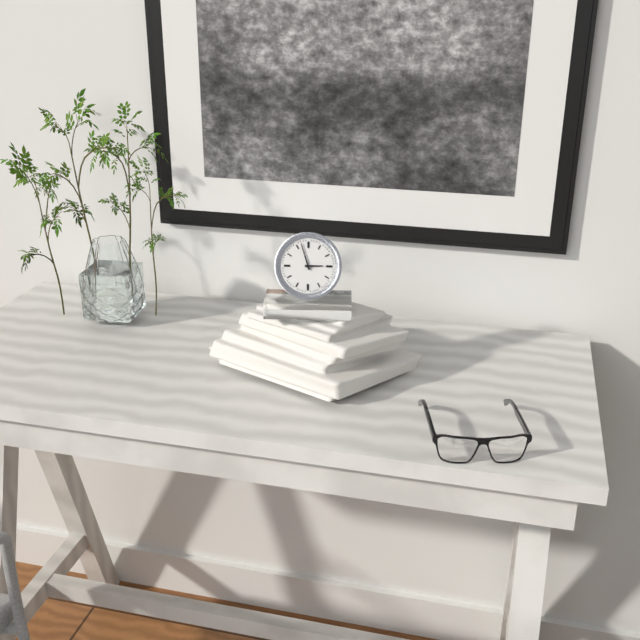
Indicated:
2,57
